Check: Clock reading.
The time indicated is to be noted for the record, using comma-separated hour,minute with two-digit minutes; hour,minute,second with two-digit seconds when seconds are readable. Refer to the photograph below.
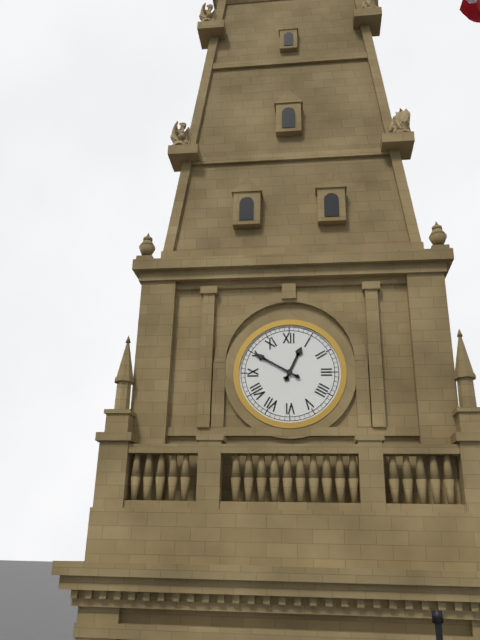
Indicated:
12,50
